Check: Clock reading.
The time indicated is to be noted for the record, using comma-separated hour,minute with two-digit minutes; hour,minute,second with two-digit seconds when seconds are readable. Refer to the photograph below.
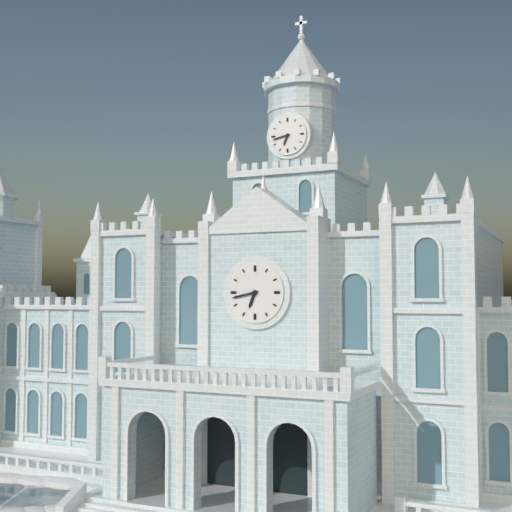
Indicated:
6,43
